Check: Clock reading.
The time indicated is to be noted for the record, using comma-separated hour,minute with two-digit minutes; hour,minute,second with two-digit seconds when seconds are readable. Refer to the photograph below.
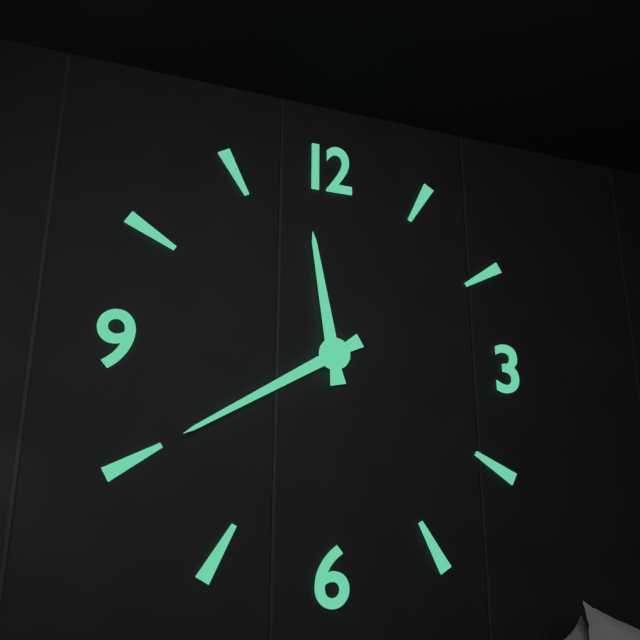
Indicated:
11,40
